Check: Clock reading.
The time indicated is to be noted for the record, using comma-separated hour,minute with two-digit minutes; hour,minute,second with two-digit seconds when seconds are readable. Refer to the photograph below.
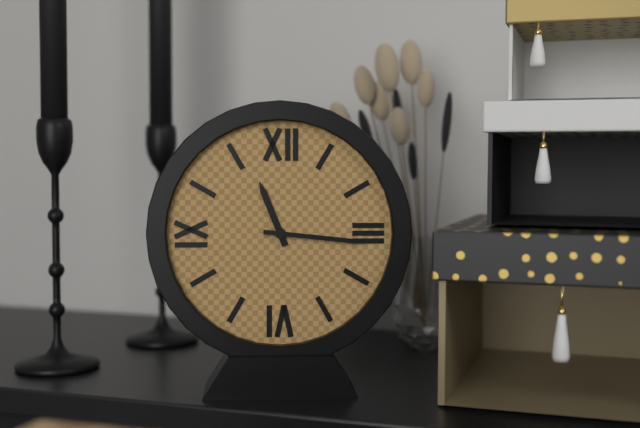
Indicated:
11,16
